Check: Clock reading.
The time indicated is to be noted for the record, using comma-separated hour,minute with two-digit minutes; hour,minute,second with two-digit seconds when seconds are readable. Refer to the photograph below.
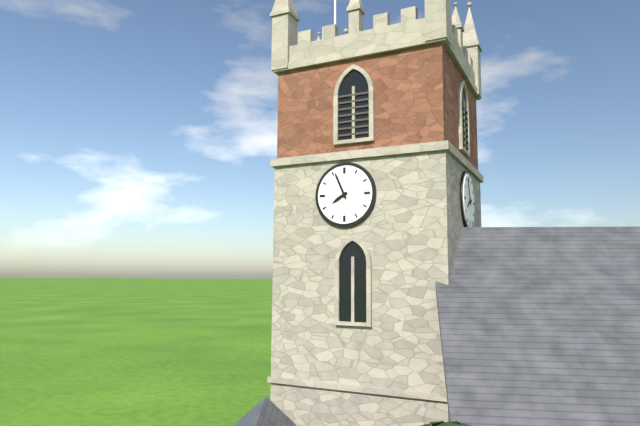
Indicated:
7,56
